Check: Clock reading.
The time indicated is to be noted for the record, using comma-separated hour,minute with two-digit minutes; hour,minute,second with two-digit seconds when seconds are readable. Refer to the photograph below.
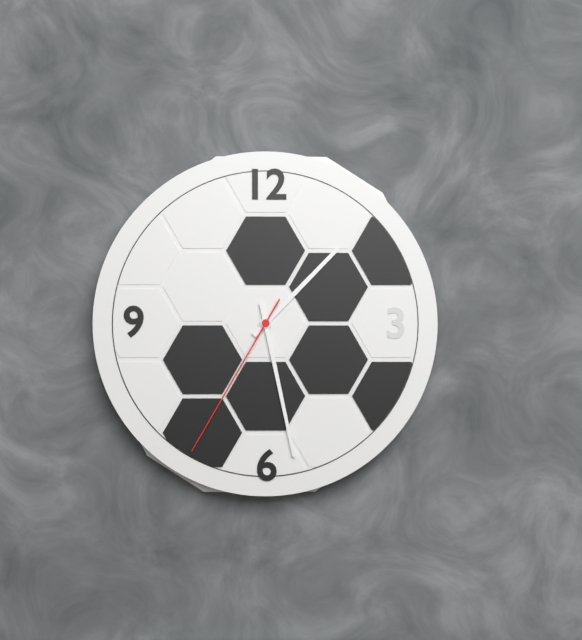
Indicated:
1,28,35
